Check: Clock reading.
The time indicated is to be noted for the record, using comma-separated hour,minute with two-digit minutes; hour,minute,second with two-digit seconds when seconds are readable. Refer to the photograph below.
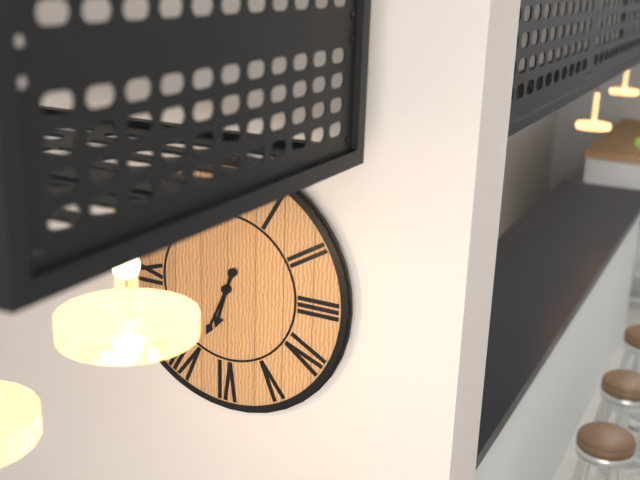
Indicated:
6,34
